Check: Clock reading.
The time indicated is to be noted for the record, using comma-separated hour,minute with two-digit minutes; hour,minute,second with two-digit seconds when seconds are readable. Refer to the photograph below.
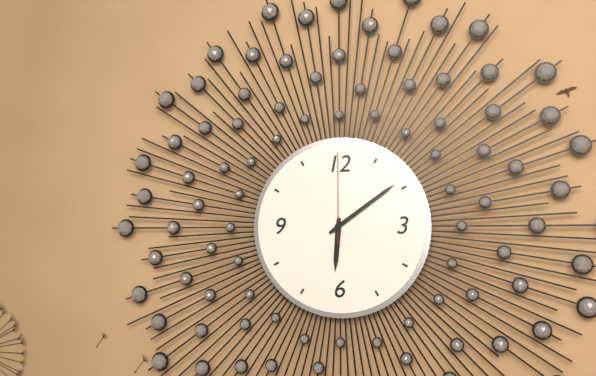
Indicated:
6,09,00
